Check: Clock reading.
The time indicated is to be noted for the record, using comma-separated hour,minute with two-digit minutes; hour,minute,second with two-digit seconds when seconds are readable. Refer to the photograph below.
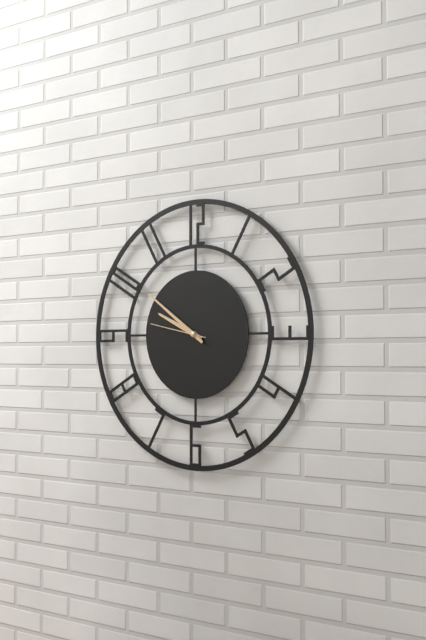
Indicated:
9,51,47
